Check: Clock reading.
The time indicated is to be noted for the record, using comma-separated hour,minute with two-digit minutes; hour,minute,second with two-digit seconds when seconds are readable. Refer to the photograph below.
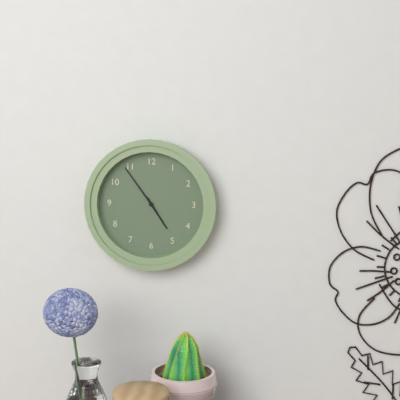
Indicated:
4,54
